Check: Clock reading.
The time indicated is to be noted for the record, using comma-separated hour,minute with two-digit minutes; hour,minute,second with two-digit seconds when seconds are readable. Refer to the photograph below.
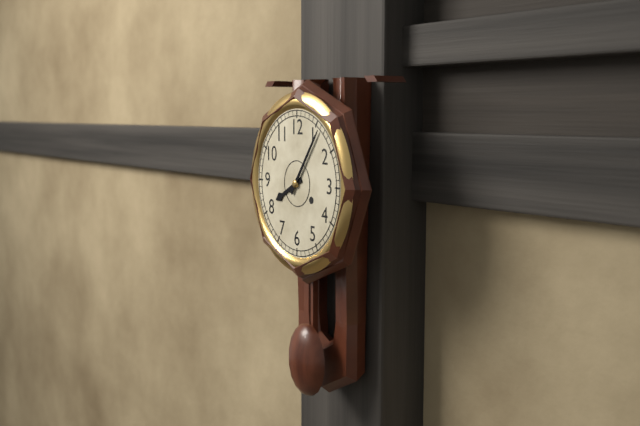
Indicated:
8,06
